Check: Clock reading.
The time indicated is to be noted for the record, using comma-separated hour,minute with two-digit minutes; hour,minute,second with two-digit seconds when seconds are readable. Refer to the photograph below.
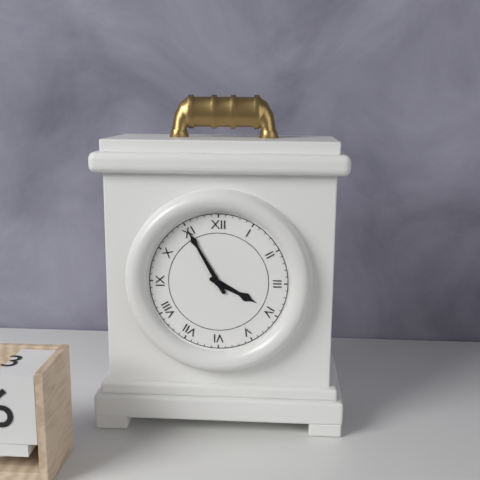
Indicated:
3,55
